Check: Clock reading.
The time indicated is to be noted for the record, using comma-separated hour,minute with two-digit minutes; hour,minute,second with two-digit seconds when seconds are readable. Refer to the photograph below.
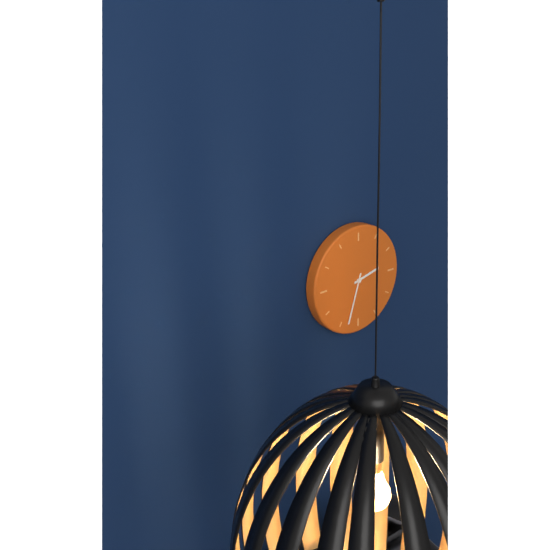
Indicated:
2,33
